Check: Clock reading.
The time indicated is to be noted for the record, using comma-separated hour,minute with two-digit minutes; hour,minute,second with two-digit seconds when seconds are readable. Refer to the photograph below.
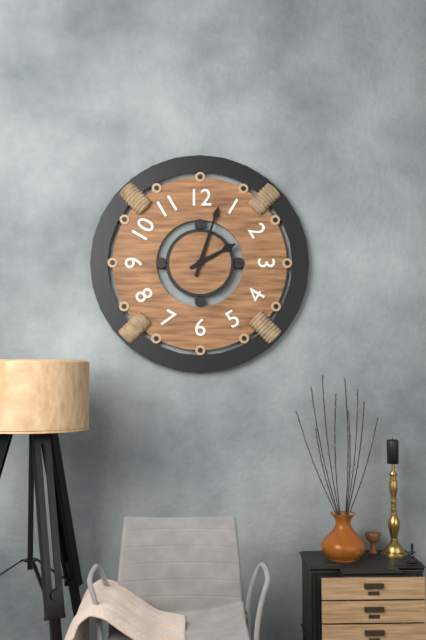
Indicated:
2,03
